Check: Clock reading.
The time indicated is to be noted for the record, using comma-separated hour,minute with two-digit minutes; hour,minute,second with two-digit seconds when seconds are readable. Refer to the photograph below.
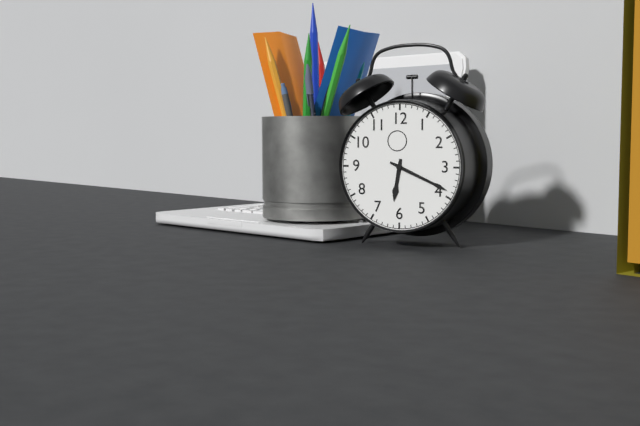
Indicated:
6,19
